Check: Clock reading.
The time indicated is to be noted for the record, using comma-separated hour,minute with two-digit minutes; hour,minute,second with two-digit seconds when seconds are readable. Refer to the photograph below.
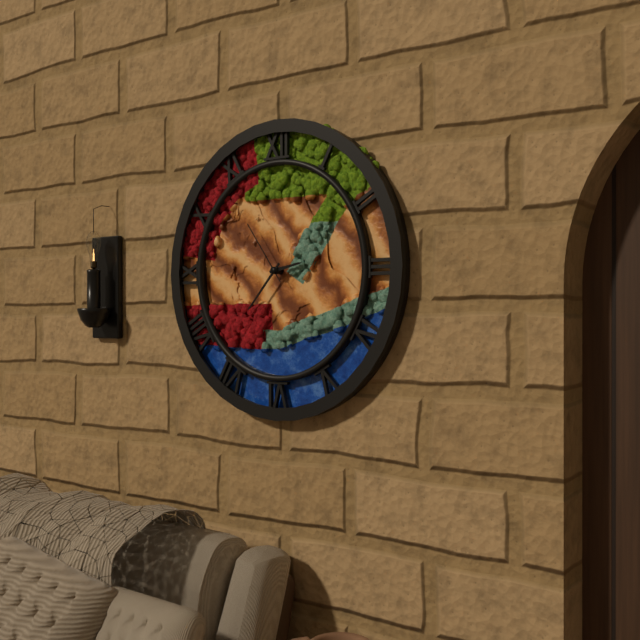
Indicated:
2,37,54
